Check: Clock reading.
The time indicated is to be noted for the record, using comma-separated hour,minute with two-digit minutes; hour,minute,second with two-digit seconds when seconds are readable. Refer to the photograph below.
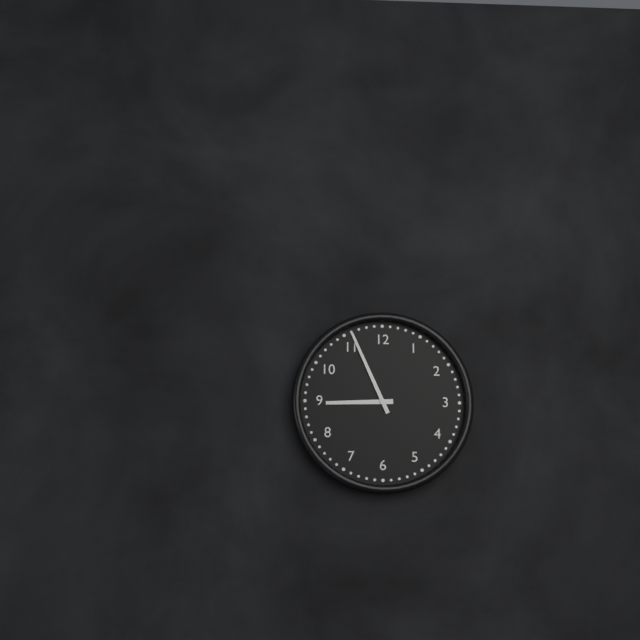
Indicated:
8,56
